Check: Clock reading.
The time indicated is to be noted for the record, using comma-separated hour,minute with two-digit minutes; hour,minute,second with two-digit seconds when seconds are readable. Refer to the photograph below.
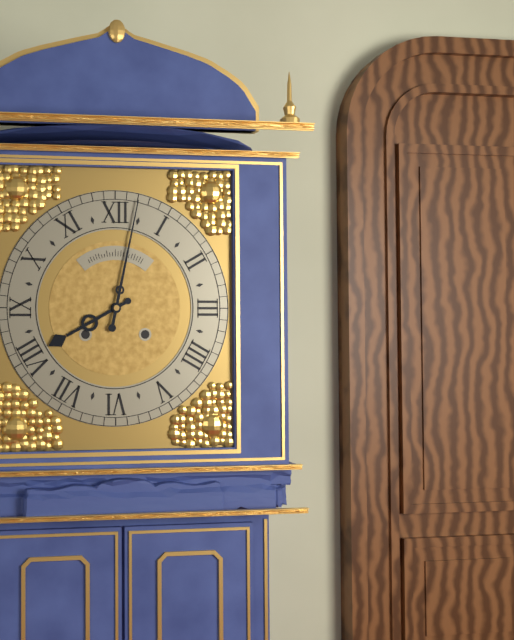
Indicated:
8,02
